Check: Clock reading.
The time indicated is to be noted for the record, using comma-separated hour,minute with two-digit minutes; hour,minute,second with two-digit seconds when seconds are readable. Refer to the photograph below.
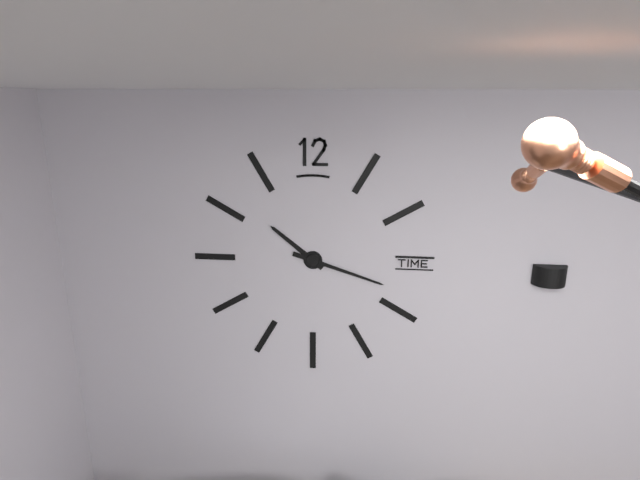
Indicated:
10,18
